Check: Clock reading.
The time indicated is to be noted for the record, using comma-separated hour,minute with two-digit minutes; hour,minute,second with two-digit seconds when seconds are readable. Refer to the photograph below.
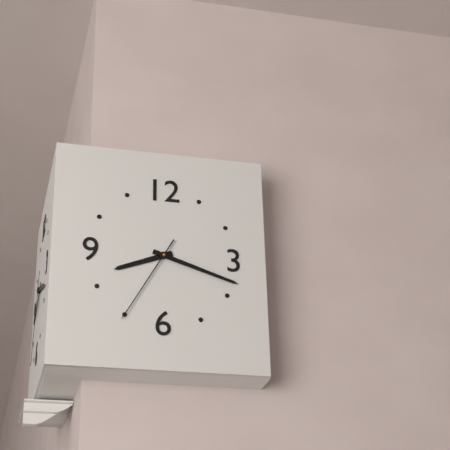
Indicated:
8,18,35
